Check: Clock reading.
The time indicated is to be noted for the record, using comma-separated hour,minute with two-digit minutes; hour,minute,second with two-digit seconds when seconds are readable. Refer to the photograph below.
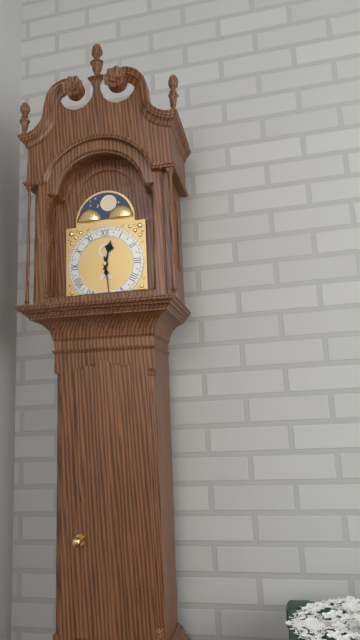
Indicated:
12,29
